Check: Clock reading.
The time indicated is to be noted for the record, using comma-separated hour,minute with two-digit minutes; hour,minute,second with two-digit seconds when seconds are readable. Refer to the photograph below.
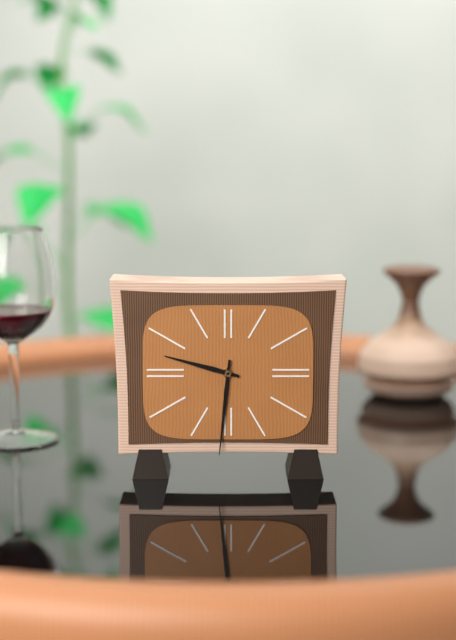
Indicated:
9,31
